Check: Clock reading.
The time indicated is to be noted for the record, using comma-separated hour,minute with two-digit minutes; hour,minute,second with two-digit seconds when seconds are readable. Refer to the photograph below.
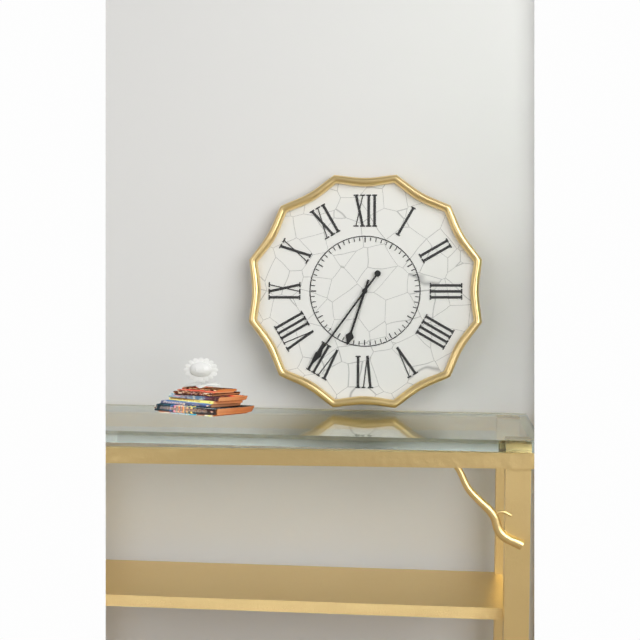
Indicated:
6,36
